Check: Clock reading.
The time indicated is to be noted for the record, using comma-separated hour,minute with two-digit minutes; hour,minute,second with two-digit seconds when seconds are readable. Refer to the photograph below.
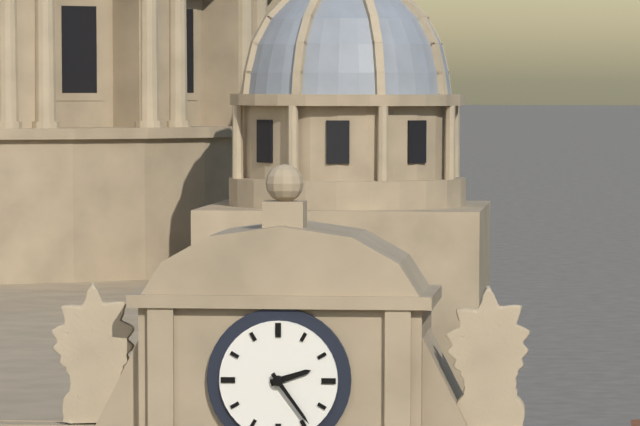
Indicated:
2,24
